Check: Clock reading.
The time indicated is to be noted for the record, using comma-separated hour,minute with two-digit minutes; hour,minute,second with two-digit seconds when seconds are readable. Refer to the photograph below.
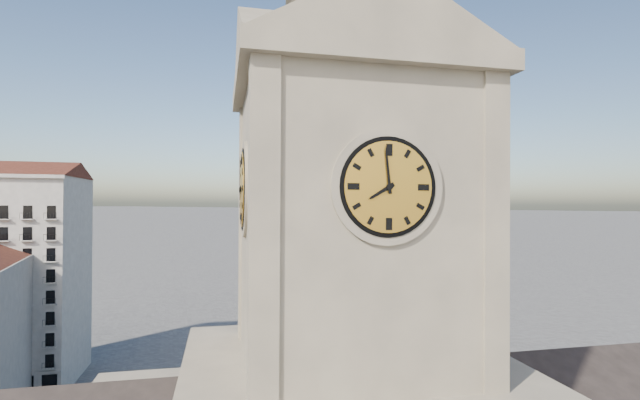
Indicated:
7,59
